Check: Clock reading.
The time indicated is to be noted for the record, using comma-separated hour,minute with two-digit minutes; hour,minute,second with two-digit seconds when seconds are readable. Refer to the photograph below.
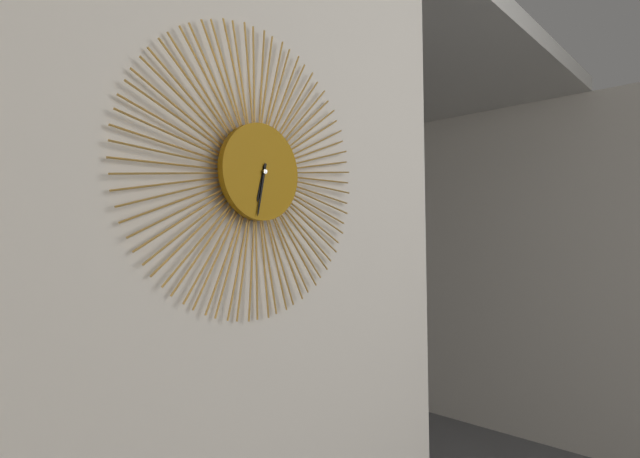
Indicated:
6,32
